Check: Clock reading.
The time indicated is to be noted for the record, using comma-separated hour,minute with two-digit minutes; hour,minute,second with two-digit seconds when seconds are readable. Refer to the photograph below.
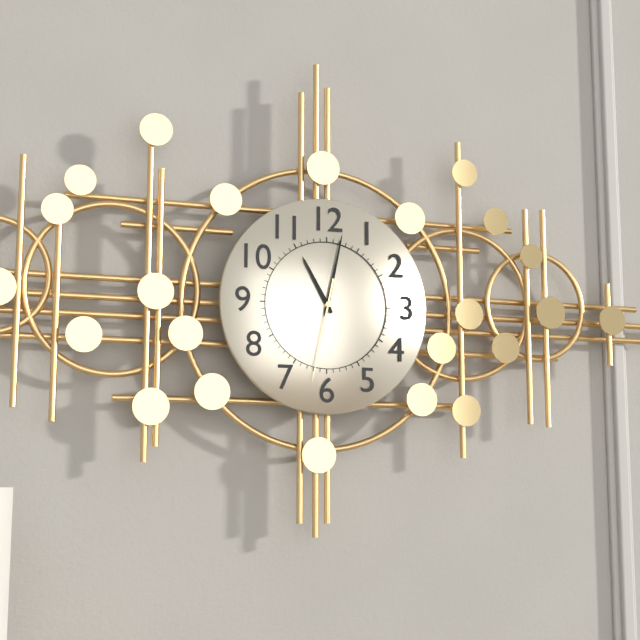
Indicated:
11,02,32
